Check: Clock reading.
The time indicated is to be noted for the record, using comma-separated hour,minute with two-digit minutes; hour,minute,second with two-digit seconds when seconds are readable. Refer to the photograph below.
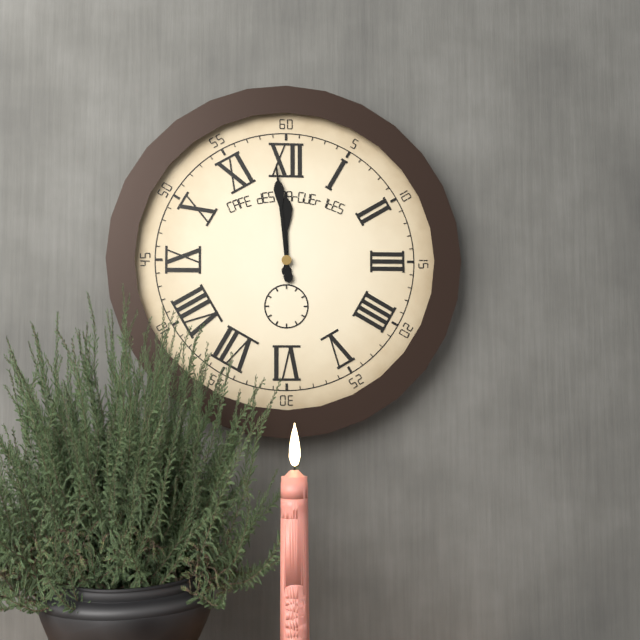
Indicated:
11,59
